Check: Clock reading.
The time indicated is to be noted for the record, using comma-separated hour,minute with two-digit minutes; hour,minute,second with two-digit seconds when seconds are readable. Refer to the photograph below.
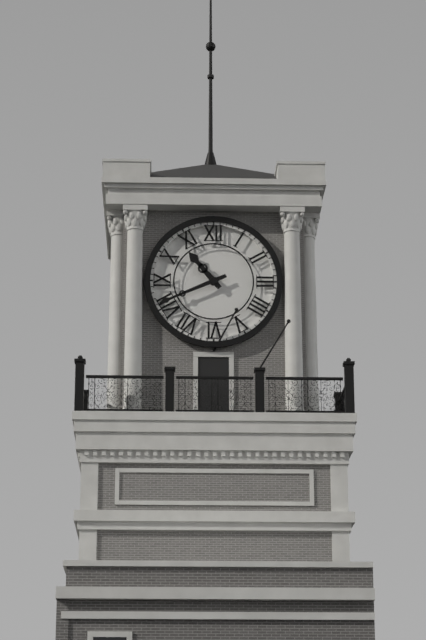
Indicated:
10,41
